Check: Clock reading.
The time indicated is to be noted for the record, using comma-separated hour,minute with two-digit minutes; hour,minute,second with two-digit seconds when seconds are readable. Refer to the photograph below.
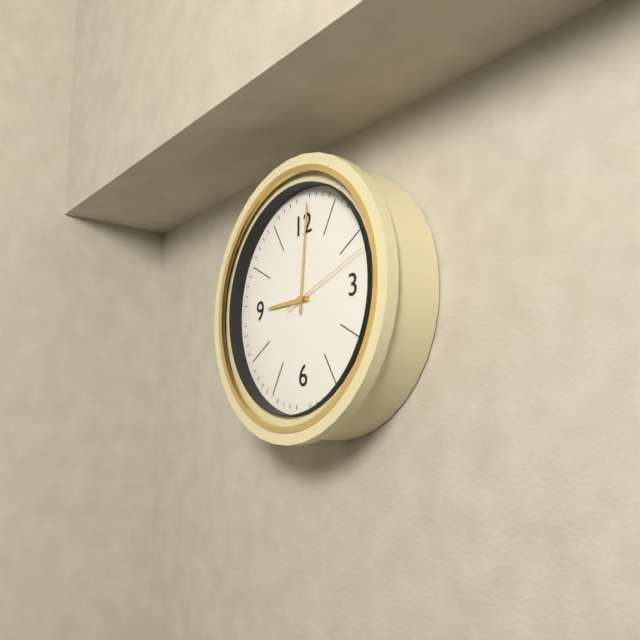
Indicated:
9,01,12
